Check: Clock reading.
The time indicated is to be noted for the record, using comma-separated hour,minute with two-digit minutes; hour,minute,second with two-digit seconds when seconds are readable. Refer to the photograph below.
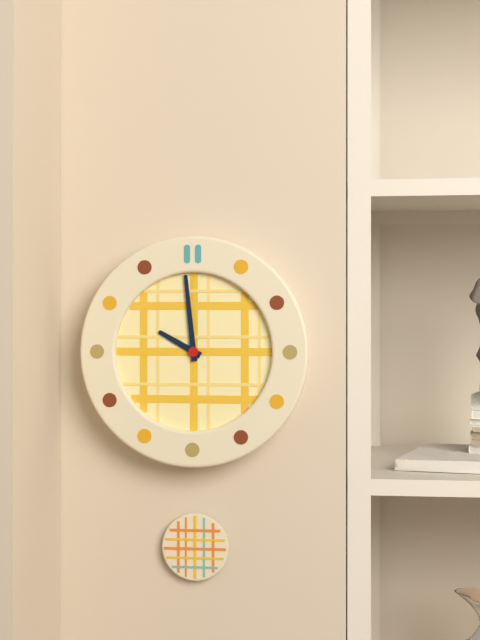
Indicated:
9,59
